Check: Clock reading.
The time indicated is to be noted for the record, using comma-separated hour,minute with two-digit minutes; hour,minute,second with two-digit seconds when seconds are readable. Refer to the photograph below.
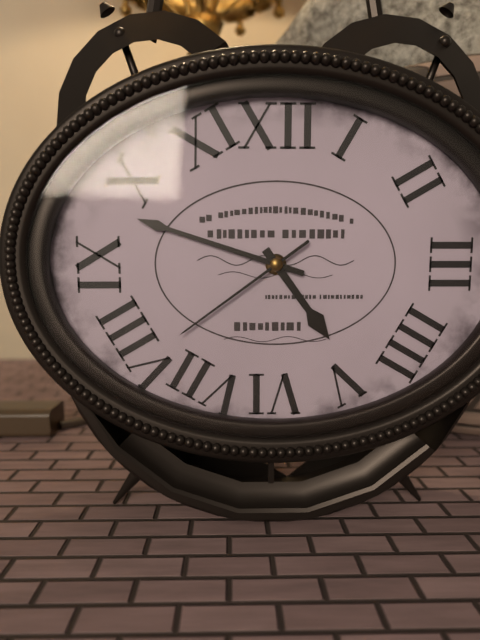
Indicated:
4,48,39
